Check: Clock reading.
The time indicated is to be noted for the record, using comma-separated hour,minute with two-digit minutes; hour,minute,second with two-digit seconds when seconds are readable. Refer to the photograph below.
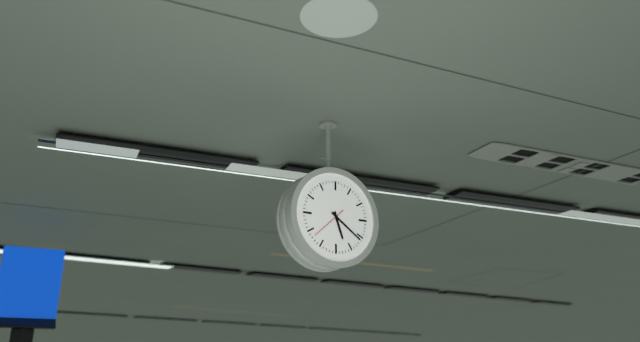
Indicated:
5,21
